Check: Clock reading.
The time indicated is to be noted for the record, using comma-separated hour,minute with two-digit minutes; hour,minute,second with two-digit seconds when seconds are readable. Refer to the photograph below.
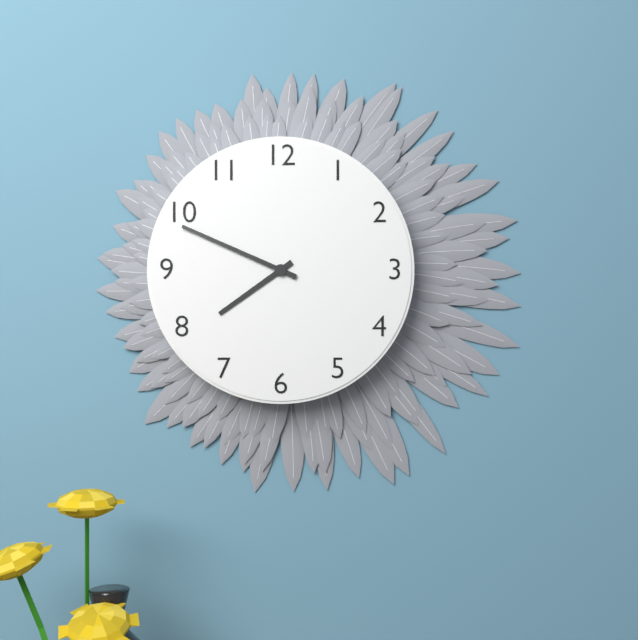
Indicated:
7,49
